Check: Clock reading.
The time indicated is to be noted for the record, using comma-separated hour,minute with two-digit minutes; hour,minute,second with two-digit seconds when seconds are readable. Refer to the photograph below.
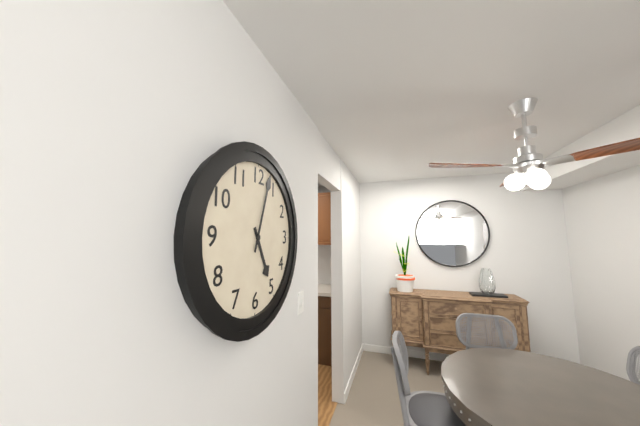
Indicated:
5,03
